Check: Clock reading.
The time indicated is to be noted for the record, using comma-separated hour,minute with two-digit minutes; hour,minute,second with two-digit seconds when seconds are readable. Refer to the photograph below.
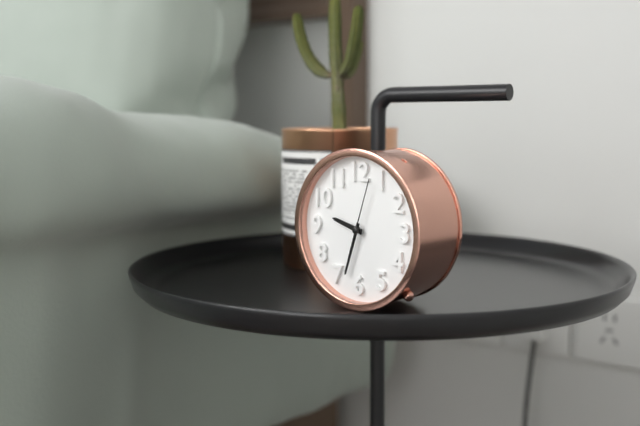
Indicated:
9,33,03
